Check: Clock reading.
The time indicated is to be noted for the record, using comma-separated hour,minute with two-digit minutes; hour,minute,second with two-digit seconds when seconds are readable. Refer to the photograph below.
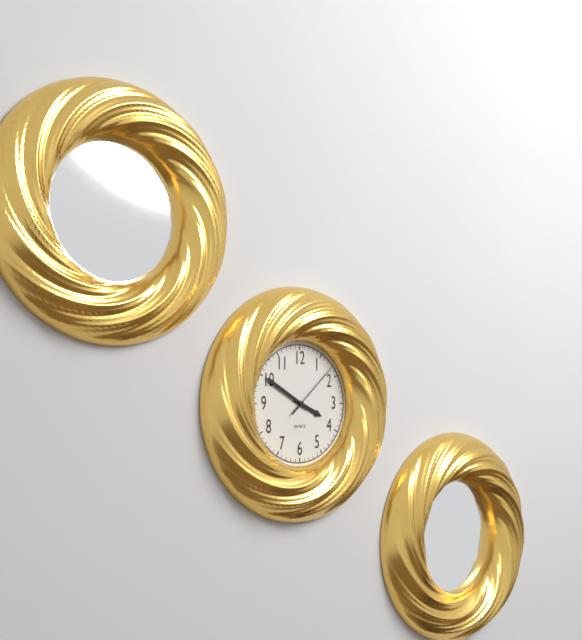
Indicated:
3,50,08
